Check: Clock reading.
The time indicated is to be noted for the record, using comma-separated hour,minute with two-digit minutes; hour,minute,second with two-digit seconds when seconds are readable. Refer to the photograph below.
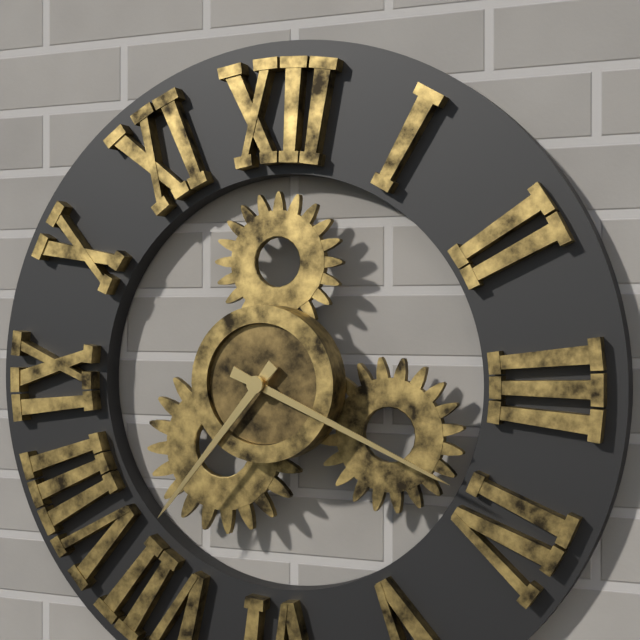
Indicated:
7,19
